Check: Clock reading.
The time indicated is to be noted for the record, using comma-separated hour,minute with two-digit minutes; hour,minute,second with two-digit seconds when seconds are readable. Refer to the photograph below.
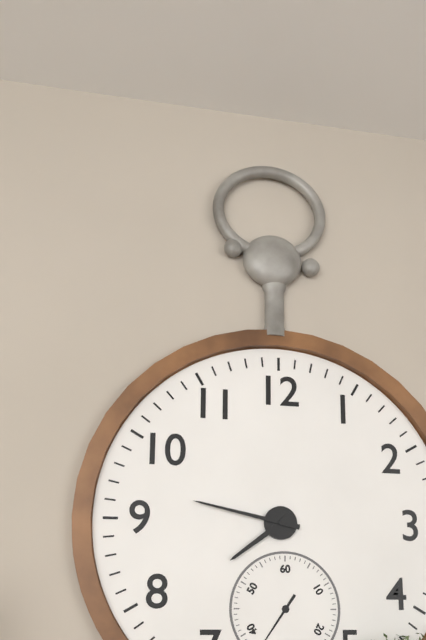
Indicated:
7,47
